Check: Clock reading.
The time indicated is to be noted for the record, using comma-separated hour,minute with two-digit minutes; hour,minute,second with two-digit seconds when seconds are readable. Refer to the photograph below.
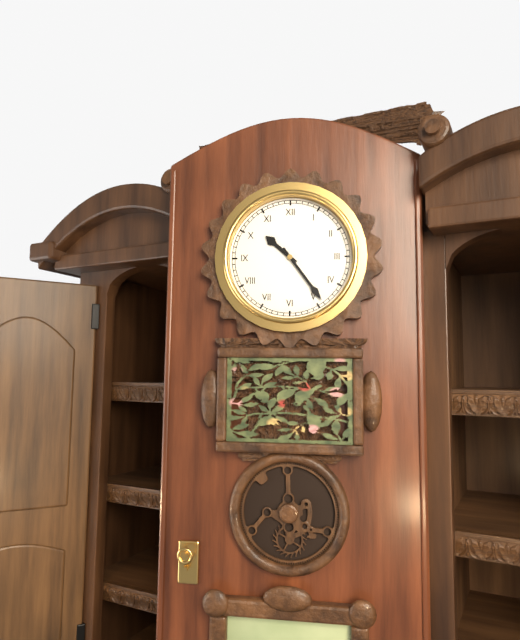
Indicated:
10,24
